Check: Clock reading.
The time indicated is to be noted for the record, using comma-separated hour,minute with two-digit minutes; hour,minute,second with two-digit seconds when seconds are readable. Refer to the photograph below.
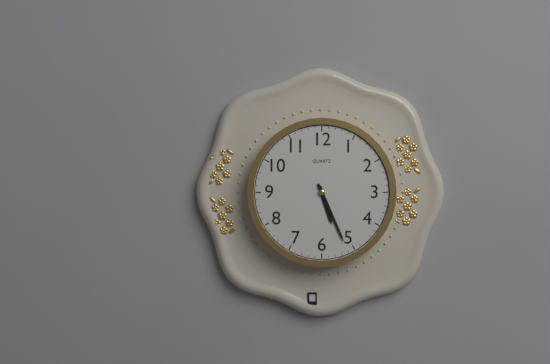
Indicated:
5,26
